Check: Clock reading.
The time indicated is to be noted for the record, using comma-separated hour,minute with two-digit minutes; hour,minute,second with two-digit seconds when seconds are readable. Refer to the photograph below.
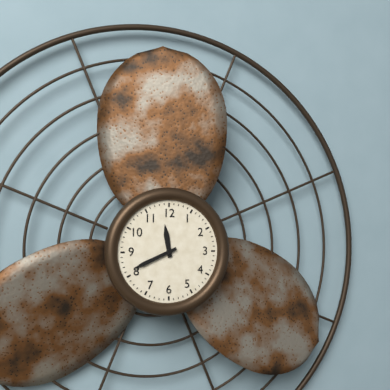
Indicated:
11,41
